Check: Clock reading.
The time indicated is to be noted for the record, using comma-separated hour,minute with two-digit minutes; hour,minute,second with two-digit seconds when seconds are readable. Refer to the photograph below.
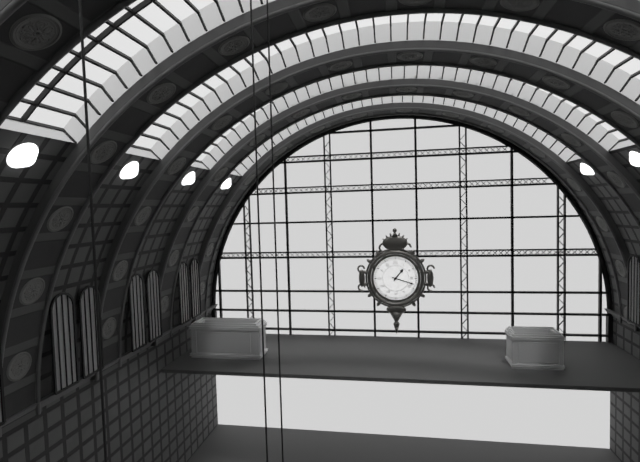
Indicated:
1,18
